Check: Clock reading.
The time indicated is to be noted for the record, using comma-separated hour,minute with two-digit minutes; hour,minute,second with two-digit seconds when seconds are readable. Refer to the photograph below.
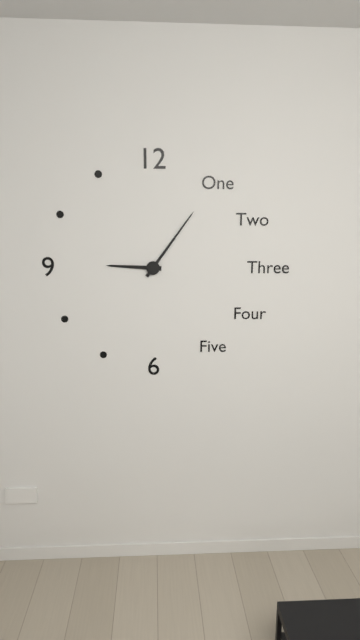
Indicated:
9,06
